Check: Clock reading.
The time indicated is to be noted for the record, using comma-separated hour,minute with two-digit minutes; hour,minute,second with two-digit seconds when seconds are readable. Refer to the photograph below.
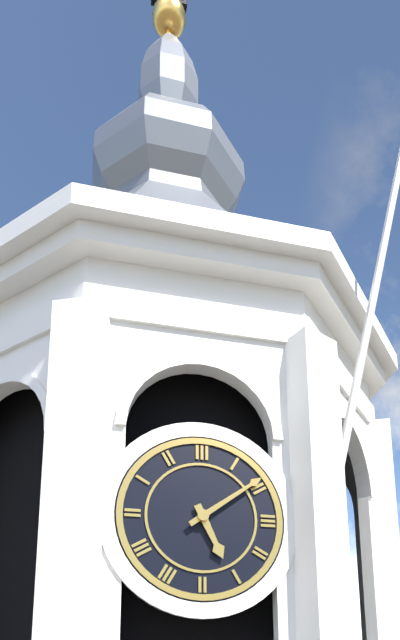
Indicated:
5,09
